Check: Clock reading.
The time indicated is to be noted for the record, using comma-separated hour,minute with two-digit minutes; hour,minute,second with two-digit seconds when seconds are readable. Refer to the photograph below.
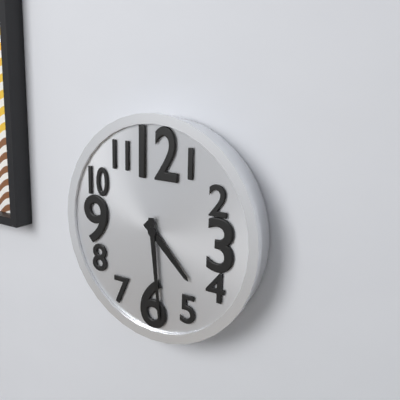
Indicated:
4,29
